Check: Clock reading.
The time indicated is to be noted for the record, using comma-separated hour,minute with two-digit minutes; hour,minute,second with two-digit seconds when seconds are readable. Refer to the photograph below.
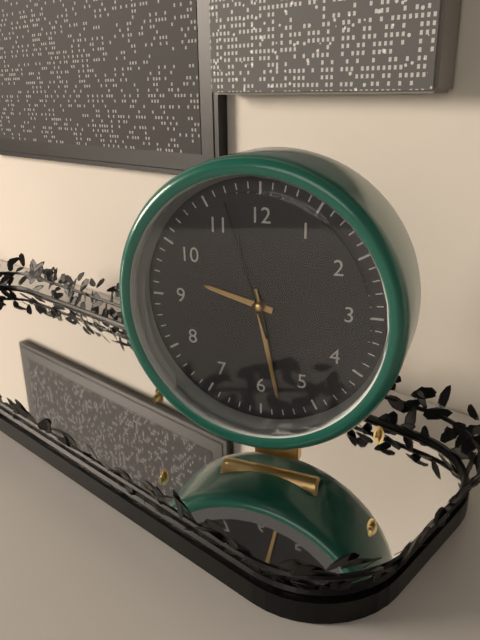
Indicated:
9,28,57
